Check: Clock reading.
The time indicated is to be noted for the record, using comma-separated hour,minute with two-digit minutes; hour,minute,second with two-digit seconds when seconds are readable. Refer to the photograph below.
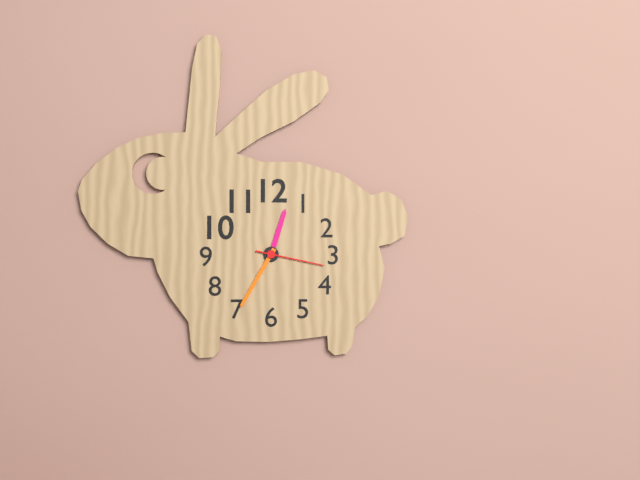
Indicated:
12,35,17
